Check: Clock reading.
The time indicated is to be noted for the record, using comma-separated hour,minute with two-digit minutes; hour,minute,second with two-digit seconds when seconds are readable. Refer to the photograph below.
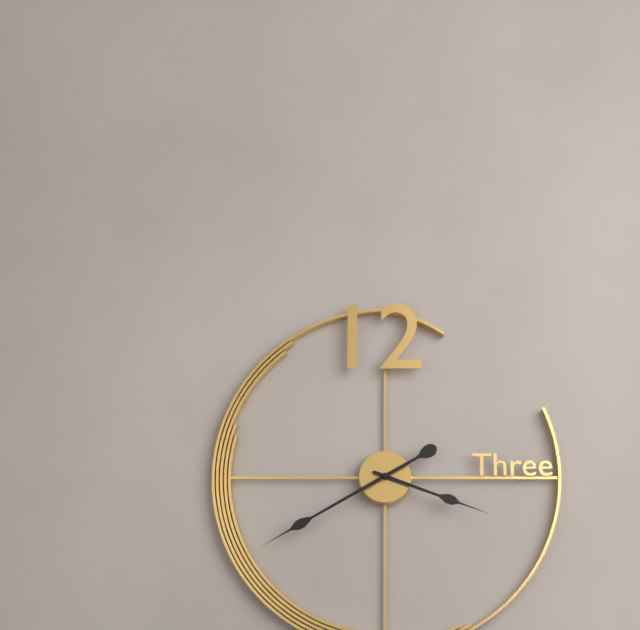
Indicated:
3,40
